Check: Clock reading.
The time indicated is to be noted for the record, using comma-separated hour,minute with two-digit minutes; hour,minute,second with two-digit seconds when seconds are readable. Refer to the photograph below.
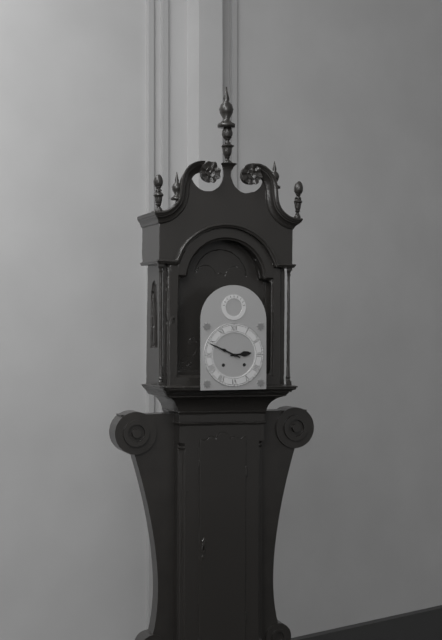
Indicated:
2,49
